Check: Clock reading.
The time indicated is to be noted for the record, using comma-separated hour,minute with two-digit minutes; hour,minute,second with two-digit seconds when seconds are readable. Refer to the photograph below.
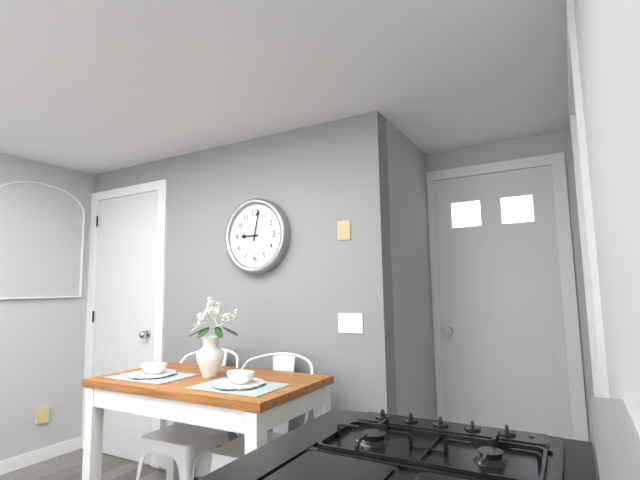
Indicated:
9,02
